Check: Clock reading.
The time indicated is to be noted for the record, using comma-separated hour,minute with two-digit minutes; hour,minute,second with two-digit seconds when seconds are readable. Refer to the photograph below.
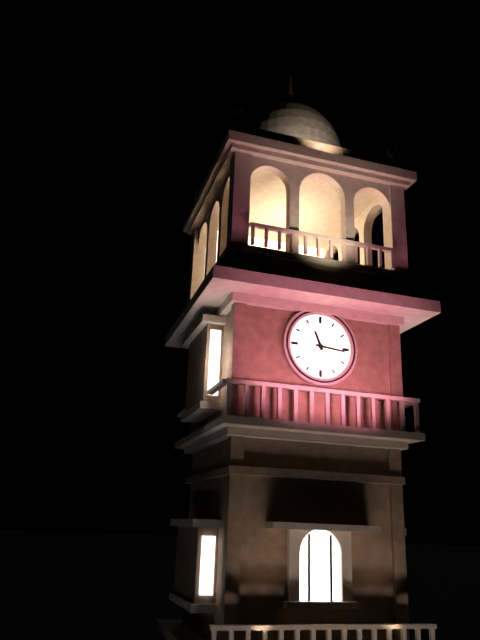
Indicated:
11,16
